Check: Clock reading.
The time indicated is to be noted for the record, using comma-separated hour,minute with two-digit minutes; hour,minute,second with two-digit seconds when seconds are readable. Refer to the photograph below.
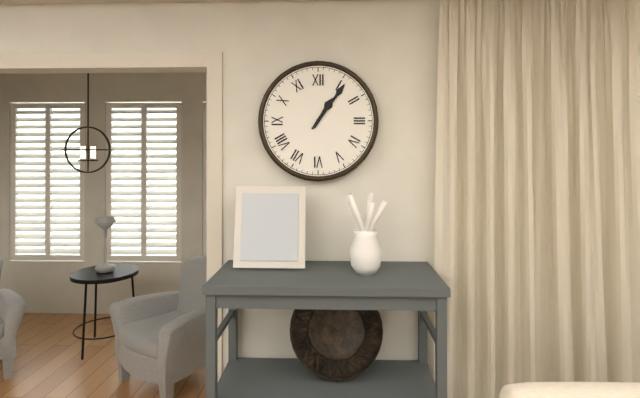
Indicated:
1,06
